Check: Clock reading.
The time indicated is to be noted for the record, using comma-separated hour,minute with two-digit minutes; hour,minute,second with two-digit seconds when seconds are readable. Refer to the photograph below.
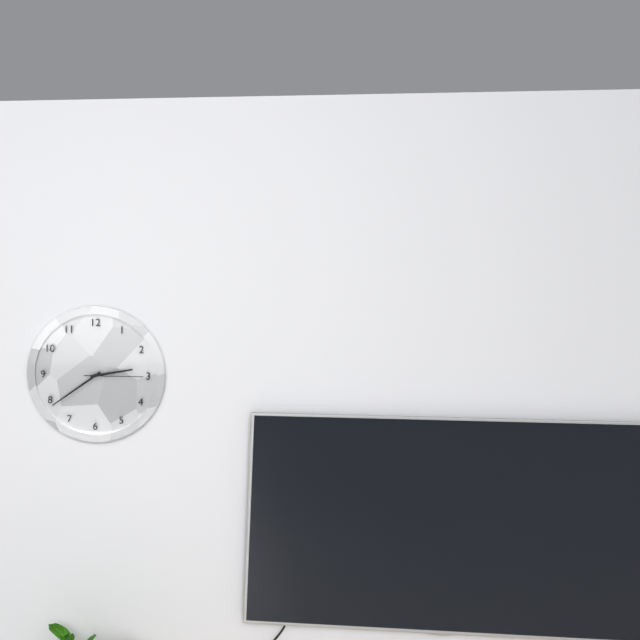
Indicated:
2,39,15
